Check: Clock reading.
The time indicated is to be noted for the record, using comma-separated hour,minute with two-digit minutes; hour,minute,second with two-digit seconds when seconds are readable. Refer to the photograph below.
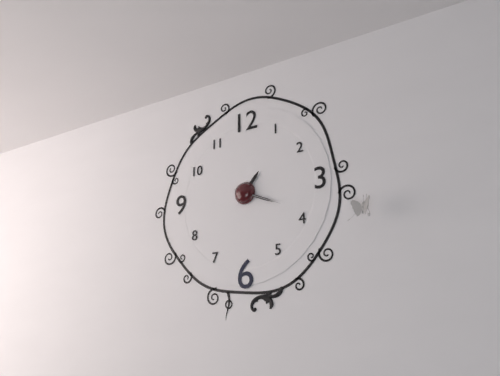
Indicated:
1,19
